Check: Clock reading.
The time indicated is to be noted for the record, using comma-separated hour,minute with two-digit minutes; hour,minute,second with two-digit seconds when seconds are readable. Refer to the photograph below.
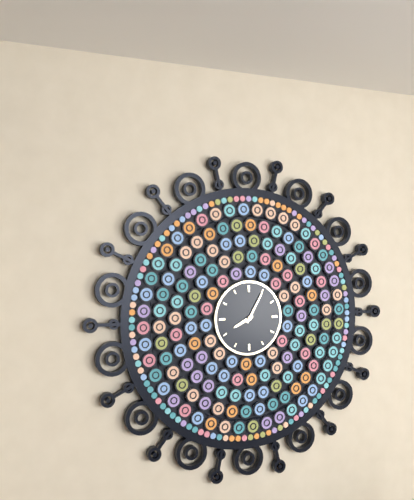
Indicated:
8,05
